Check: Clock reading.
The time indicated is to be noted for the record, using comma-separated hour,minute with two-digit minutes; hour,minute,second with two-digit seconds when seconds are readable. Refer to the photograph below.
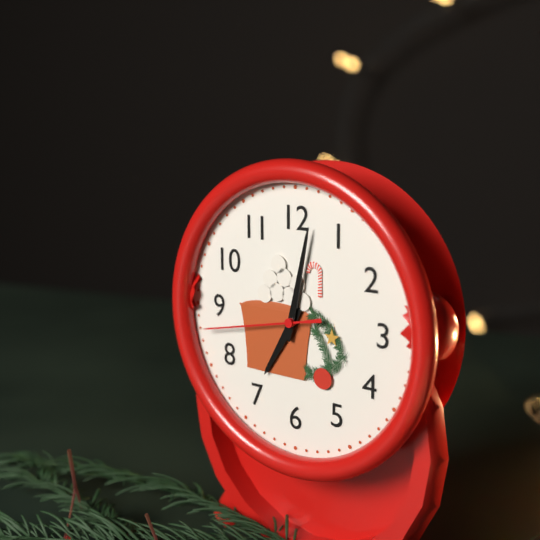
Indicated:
7,02,43
